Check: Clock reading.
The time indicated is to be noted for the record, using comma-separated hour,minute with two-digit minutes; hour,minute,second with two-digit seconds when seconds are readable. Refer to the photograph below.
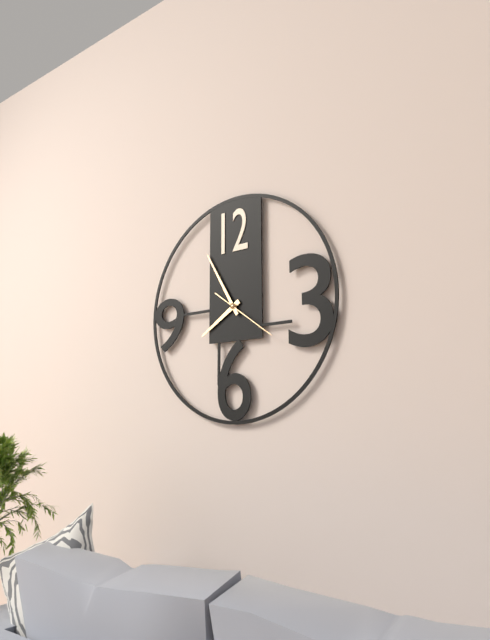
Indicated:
7,55,21
